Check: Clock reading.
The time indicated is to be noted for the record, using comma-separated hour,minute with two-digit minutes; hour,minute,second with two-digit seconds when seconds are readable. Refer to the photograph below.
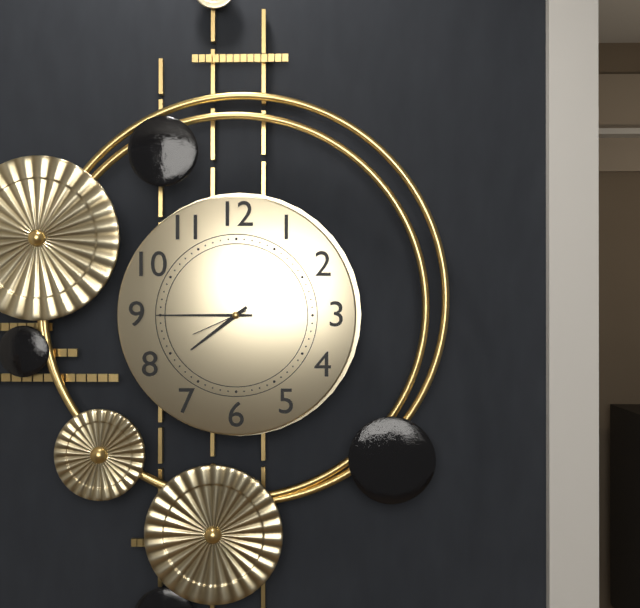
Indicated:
7,45,41
